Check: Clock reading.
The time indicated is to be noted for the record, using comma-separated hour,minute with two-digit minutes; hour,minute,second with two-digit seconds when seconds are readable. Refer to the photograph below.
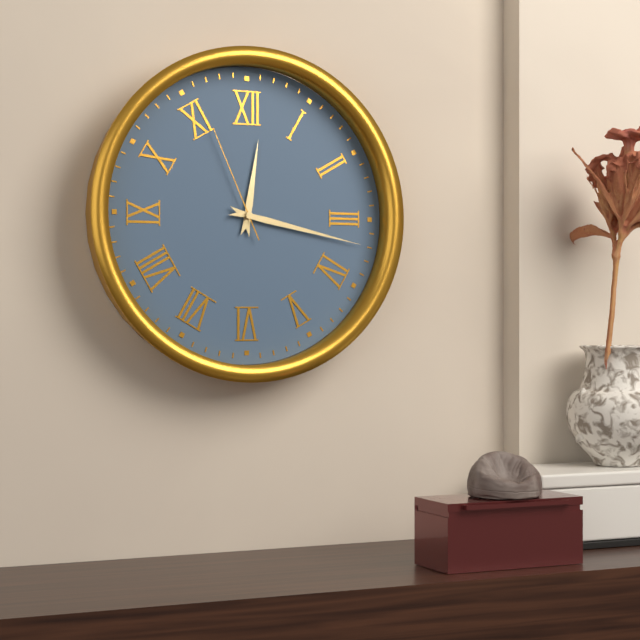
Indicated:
12,17,56
